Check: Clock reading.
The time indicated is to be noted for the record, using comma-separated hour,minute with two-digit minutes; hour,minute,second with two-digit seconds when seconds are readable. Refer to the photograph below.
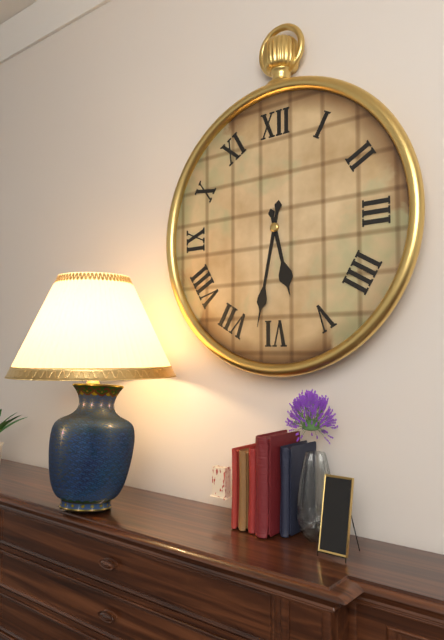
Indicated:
5,32
